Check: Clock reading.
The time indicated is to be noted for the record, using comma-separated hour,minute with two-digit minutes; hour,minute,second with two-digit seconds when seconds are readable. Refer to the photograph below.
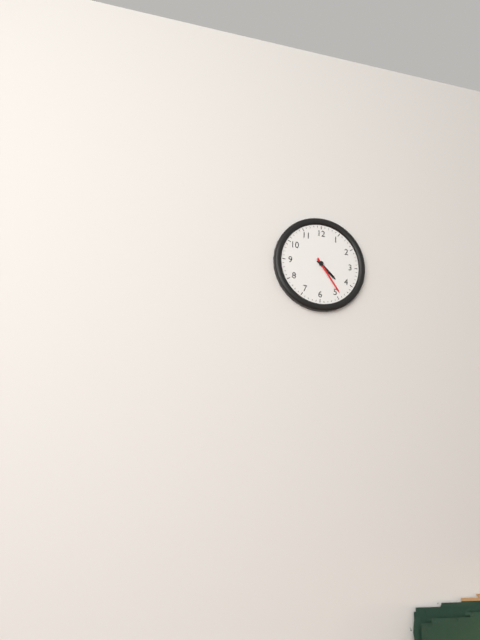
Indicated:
4,24
